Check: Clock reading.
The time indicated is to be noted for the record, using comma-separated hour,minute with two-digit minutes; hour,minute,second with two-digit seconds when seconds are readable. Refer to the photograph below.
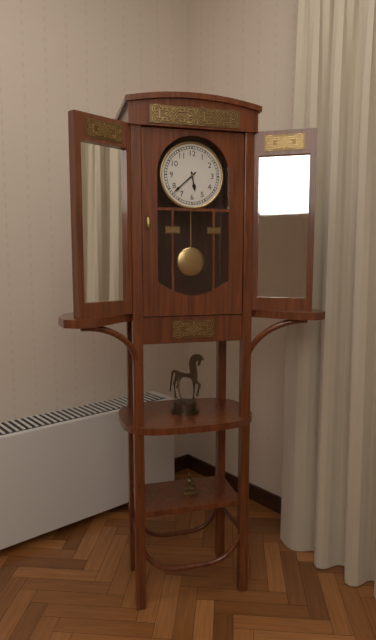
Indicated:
5,38
